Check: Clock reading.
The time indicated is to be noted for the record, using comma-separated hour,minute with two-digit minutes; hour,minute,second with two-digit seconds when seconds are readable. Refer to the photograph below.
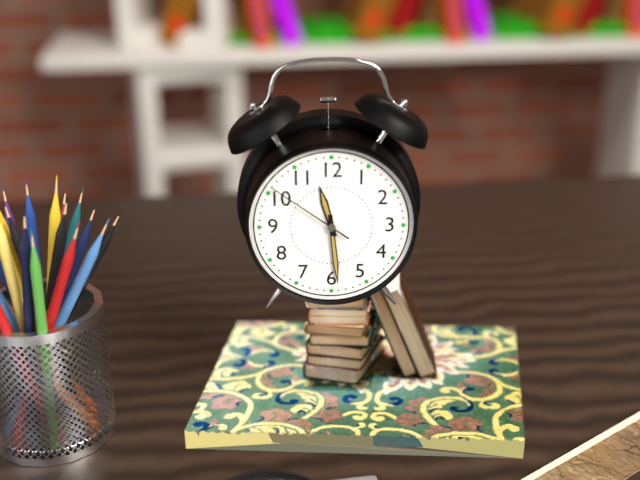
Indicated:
11,29,51
